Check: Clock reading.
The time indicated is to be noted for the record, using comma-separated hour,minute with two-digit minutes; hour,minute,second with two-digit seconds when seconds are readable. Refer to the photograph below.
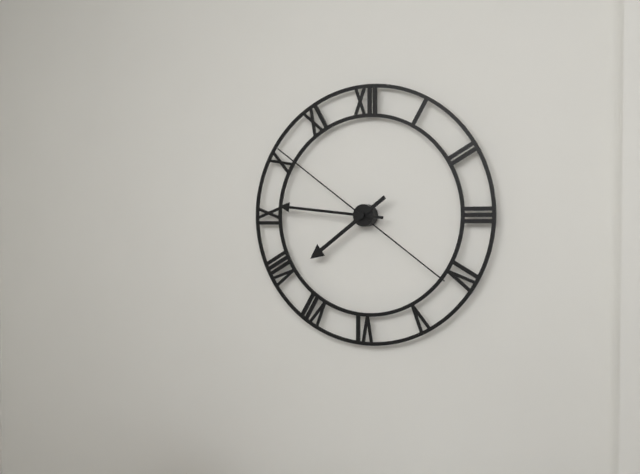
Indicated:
7,46,51
